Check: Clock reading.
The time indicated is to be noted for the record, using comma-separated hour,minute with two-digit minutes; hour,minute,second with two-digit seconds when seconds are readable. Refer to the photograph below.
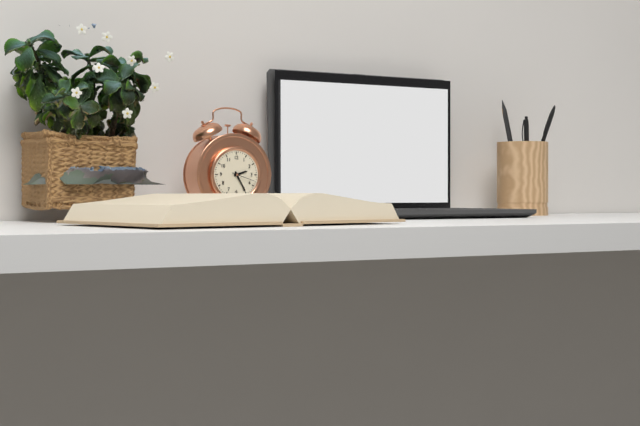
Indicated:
2,25
